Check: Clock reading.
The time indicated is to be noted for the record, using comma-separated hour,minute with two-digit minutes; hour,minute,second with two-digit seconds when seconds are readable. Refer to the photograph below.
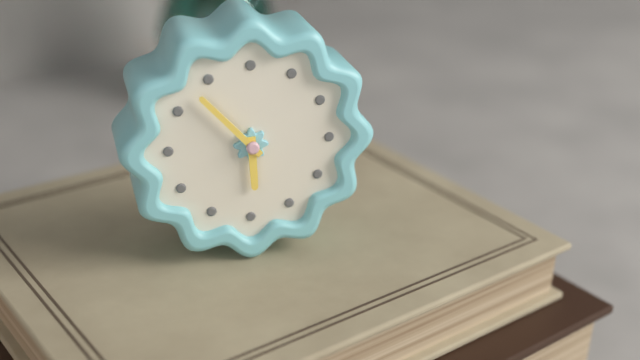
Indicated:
5,53
